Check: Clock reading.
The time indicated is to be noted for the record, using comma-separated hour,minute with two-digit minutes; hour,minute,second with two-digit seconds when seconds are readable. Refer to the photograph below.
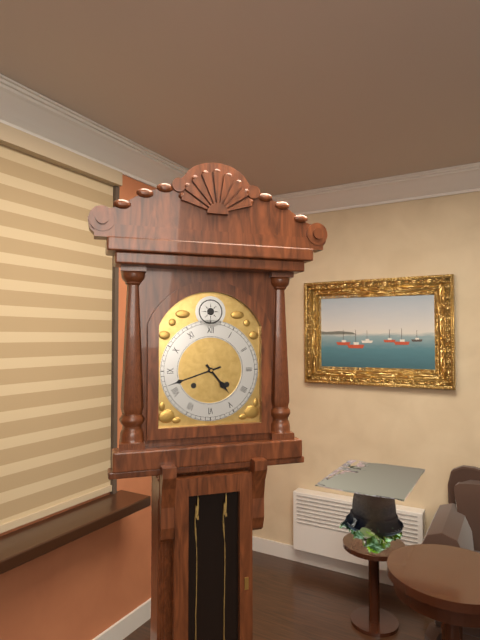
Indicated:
4,42
